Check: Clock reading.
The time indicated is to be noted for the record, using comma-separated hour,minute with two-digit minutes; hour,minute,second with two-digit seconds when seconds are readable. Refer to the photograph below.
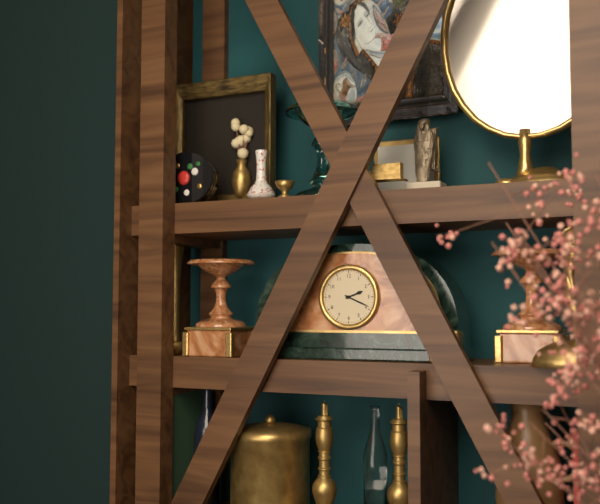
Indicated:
2,19
